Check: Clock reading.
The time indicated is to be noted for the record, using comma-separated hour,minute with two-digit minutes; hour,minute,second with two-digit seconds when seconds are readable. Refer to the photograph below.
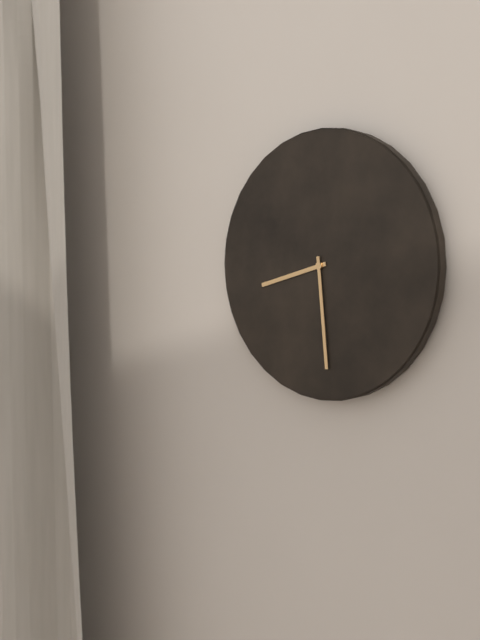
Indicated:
8,29
